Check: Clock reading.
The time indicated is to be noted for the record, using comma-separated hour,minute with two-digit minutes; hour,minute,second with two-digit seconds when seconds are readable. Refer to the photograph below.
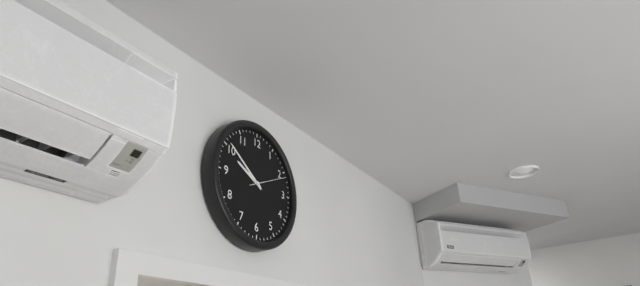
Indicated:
9,51
